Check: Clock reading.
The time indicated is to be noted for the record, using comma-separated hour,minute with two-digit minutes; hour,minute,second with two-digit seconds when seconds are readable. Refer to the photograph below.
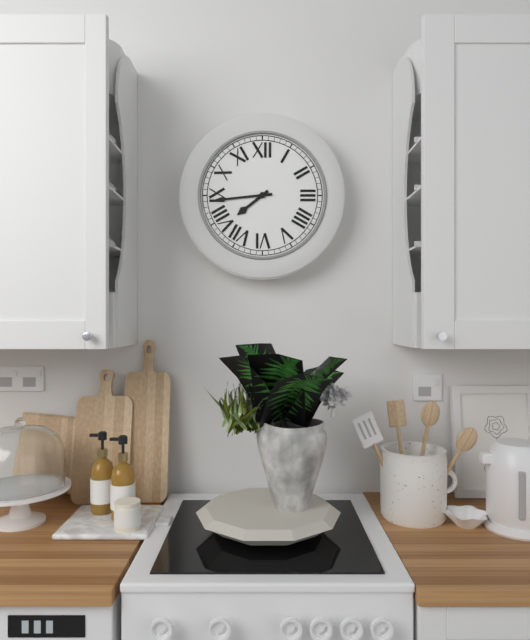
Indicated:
7,44
